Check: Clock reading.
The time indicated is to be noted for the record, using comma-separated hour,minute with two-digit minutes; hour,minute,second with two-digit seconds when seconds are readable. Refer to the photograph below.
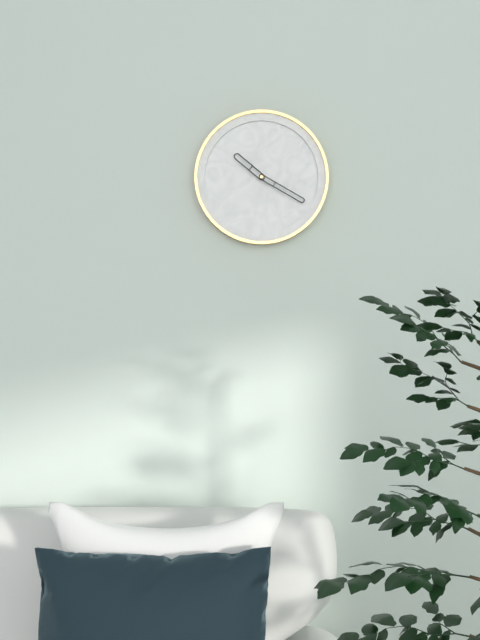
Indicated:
10,20
